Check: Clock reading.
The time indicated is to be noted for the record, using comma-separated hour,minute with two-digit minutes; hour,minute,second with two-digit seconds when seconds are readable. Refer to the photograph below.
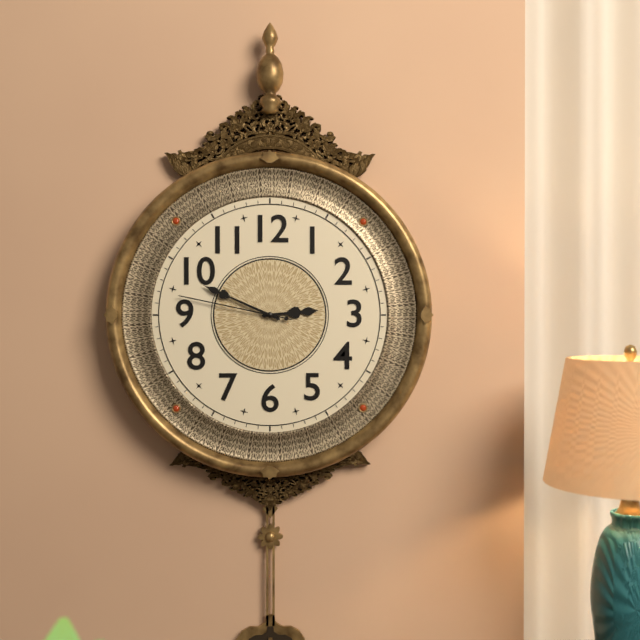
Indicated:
2,49,47
